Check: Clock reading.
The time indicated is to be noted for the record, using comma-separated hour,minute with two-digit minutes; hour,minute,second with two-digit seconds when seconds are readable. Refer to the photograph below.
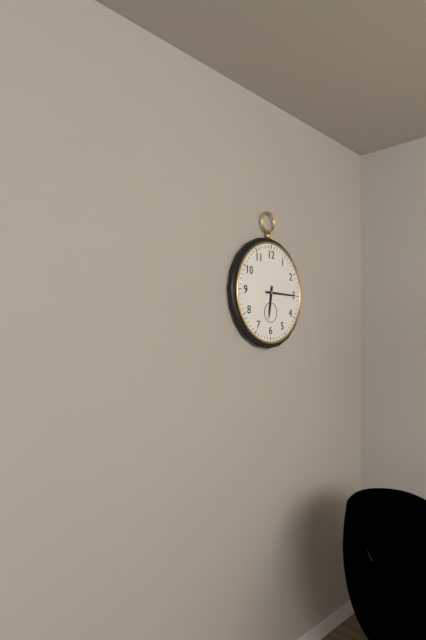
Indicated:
6,15
